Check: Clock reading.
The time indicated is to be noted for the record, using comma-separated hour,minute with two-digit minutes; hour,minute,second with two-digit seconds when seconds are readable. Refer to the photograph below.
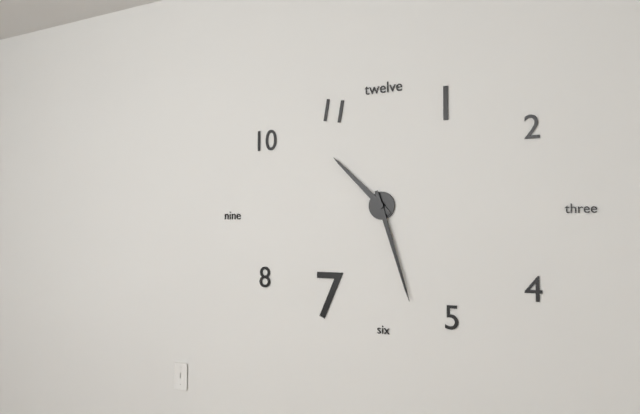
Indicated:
10,27
